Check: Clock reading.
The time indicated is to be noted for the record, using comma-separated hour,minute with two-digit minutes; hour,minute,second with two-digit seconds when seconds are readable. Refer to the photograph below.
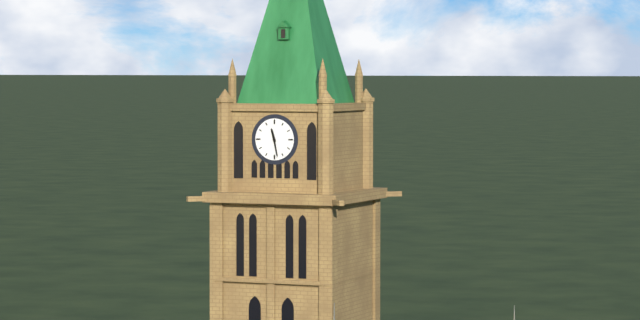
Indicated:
11,28
